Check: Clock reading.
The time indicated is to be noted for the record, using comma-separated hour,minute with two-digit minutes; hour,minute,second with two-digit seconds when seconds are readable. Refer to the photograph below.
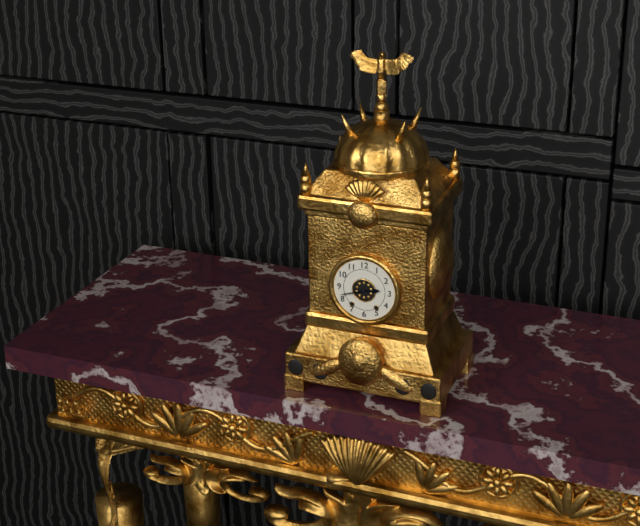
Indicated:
2,42
